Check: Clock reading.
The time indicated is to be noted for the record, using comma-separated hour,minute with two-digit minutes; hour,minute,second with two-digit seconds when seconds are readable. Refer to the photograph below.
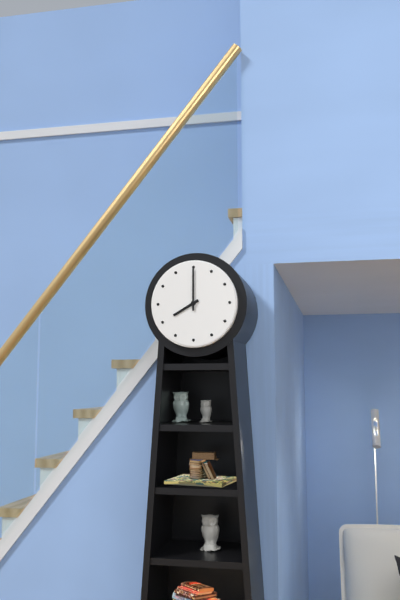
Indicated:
8,00
